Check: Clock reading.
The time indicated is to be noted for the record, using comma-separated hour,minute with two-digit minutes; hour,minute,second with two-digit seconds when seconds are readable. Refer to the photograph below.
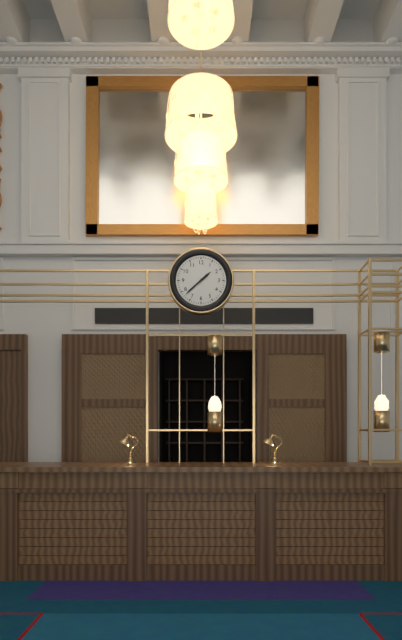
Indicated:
1,38
